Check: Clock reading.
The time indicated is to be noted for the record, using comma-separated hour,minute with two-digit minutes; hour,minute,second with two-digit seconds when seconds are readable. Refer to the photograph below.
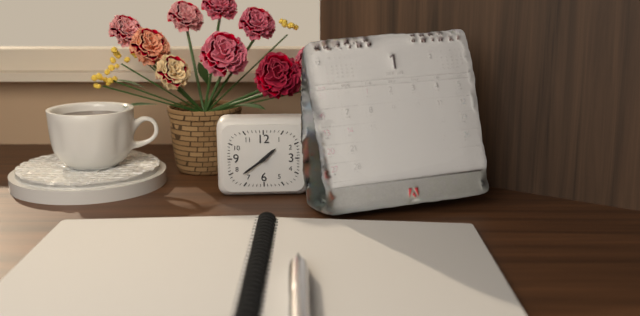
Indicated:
1,39
